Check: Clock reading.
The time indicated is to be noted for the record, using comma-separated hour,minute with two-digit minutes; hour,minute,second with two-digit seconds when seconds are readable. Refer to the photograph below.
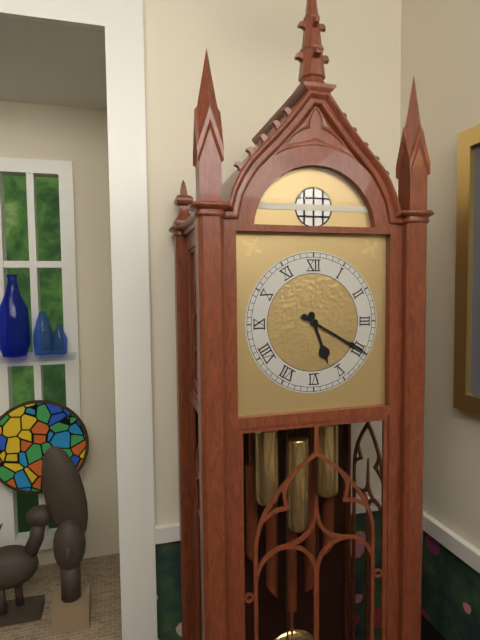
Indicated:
5,20
